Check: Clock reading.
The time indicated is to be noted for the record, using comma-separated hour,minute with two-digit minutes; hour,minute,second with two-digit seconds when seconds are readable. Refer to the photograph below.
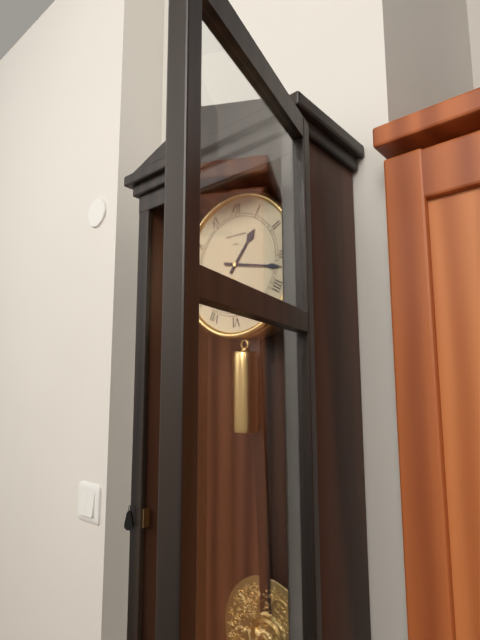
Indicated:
1,17
